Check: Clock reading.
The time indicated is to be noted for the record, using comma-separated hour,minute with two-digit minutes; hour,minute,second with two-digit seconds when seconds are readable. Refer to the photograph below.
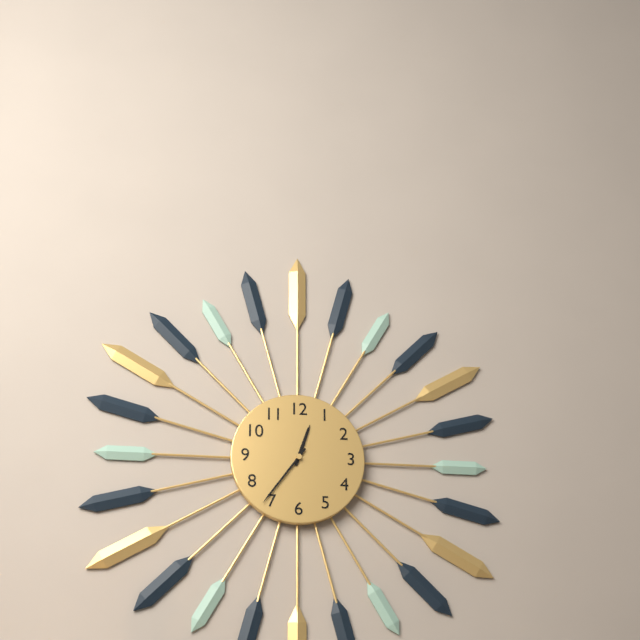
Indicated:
12,36
